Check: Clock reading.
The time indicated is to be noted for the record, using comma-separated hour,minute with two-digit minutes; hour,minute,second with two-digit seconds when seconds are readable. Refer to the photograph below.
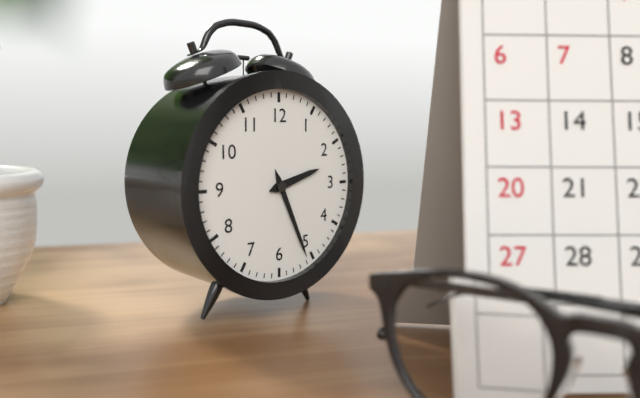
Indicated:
2,26
